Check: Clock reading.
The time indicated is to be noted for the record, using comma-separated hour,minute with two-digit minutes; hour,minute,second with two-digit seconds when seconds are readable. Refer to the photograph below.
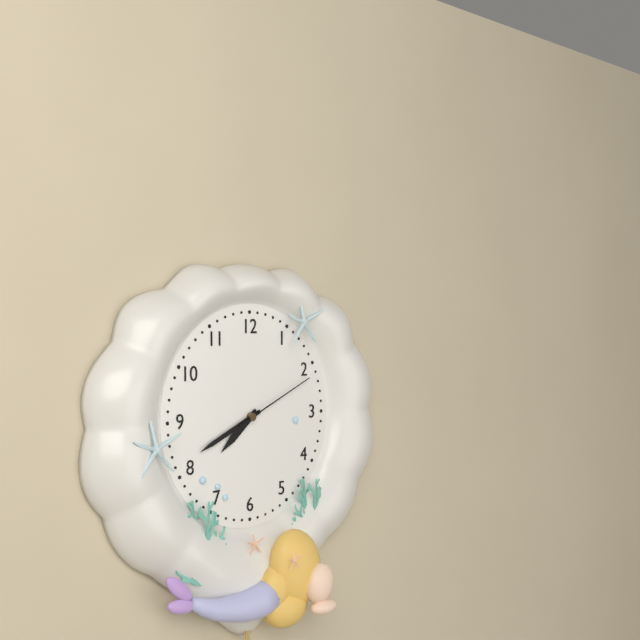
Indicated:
7,41,11
